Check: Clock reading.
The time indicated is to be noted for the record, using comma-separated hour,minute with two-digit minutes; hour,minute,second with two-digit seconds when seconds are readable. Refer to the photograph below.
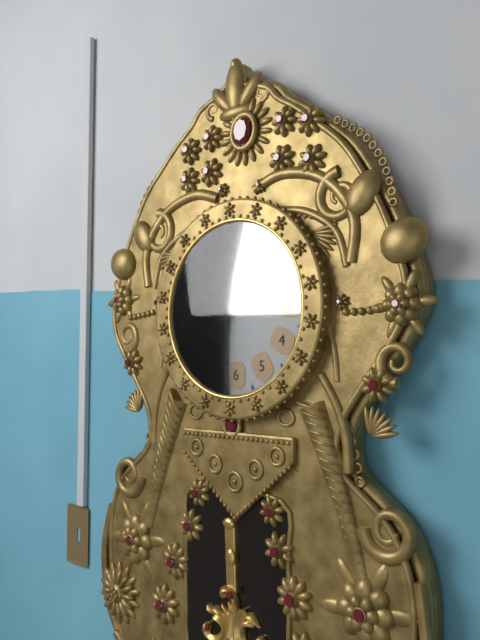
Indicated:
8,07
